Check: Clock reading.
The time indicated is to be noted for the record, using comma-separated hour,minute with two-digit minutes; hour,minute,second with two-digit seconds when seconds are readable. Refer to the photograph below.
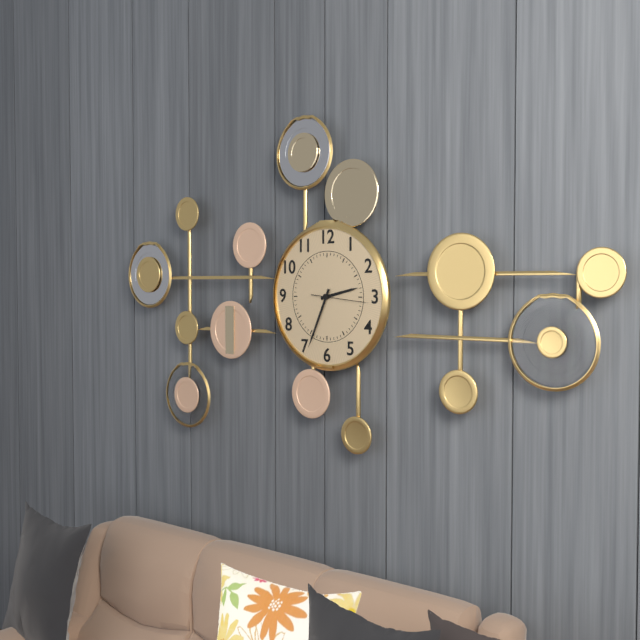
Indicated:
2,34,16
